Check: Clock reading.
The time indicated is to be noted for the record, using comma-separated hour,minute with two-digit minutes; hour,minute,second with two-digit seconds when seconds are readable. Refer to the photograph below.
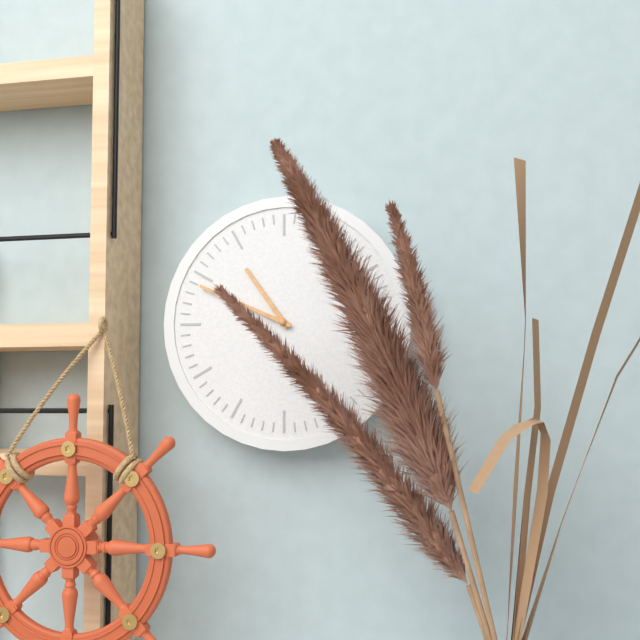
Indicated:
10,49
